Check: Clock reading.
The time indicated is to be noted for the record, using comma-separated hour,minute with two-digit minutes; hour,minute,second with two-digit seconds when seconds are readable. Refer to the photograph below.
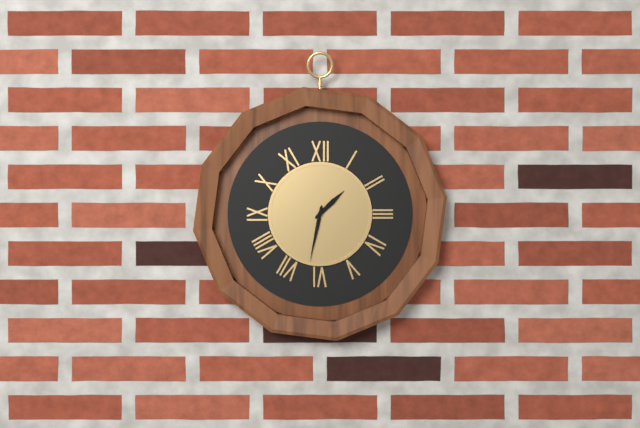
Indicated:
1,32
